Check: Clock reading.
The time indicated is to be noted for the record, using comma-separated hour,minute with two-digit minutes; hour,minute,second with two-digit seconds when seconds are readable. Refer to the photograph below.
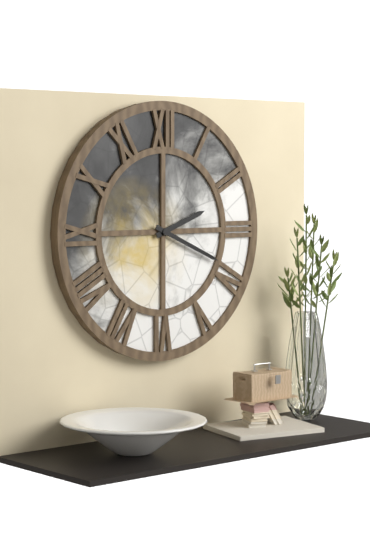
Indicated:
2,19
